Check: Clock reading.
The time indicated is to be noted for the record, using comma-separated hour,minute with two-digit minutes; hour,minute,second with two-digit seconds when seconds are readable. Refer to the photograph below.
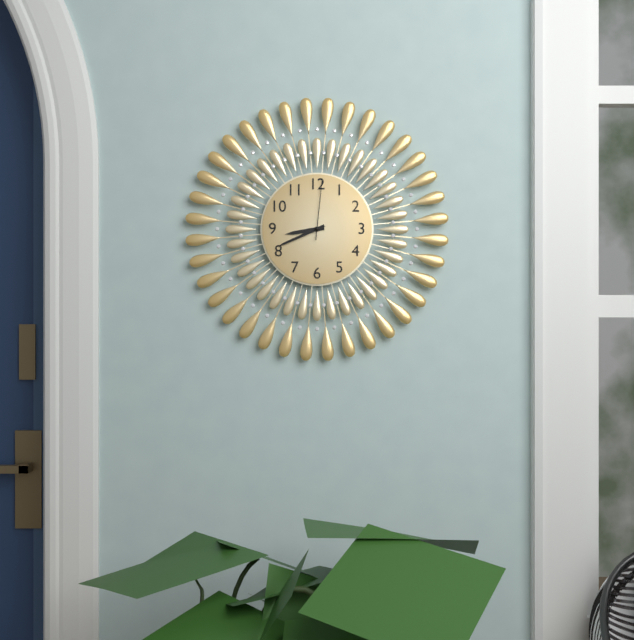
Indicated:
8,41,01
